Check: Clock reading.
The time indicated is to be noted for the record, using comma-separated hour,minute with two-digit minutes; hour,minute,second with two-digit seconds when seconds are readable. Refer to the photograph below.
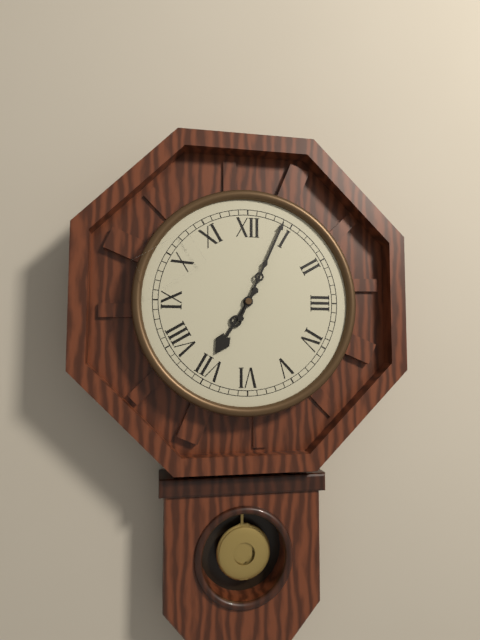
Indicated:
7,04
